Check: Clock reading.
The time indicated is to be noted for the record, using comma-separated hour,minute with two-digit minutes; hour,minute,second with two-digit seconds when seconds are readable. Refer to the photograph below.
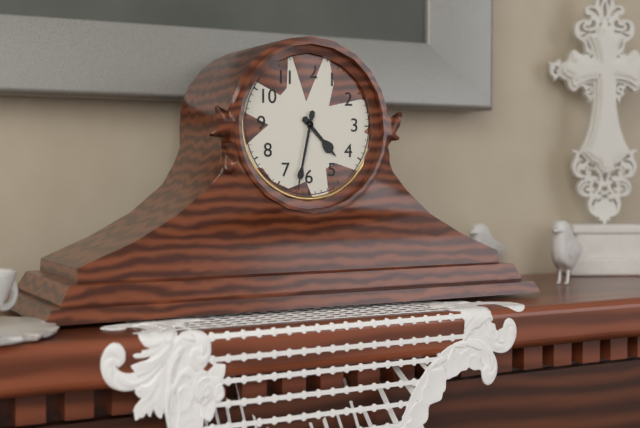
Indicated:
4,32
